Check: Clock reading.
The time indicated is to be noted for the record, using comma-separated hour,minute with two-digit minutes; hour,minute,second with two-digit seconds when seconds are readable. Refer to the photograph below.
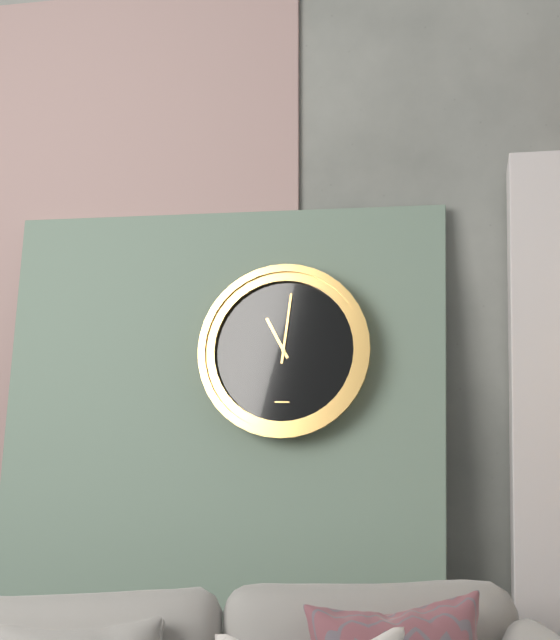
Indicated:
11,01
